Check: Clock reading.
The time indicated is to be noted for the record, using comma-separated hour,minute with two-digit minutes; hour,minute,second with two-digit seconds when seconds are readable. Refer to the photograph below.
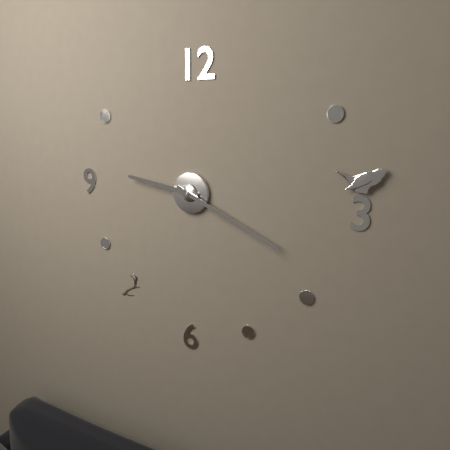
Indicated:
9,19
